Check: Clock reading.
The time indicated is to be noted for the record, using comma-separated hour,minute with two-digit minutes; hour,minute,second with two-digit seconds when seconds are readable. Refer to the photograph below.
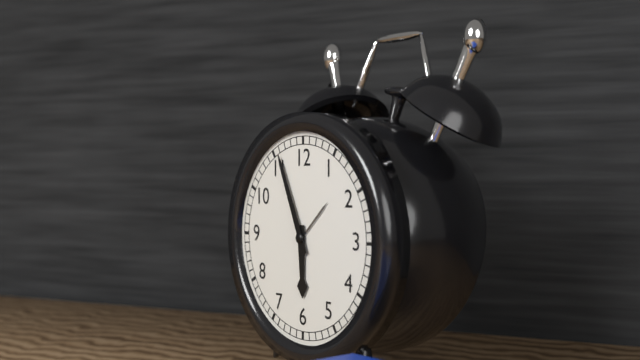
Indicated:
5,56
